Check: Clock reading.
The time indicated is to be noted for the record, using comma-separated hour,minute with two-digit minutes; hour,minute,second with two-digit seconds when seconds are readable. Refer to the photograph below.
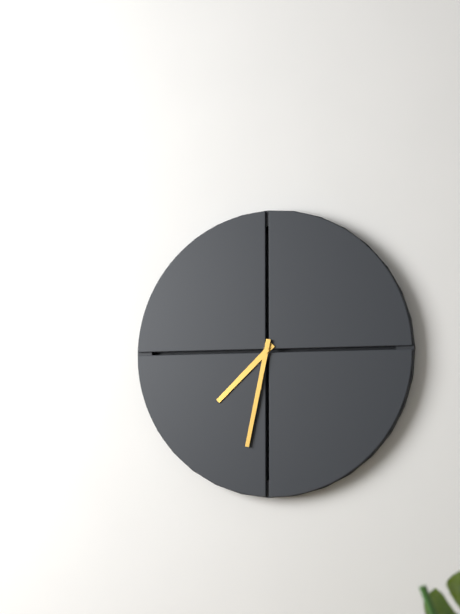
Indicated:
7,32
